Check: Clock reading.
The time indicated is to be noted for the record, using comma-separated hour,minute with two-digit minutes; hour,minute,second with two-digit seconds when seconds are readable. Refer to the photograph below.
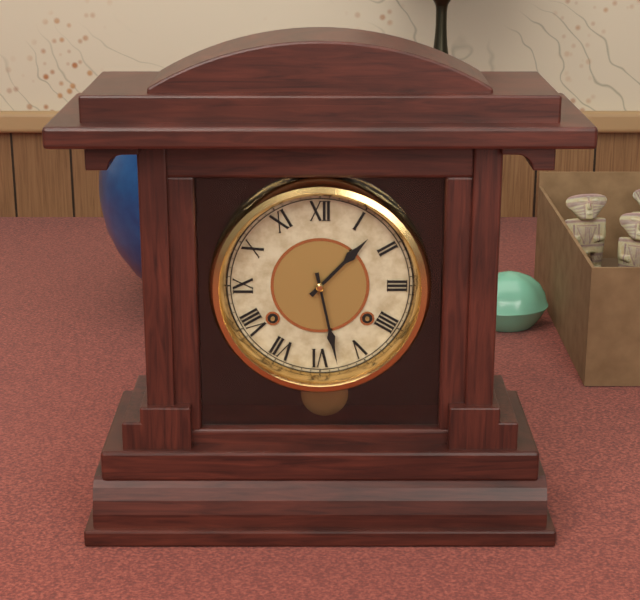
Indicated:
1,28
